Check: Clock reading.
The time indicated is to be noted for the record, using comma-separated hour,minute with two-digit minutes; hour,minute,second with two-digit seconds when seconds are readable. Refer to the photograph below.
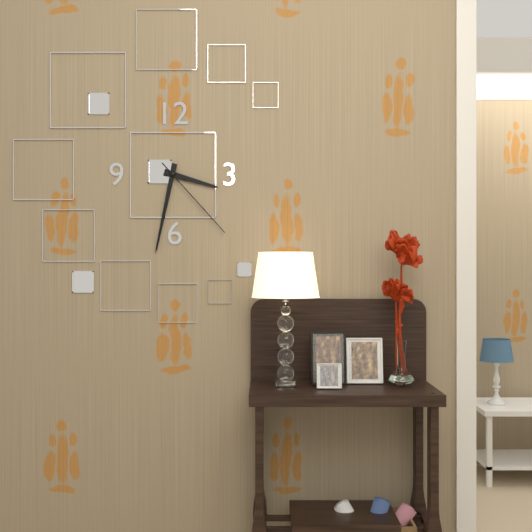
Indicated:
3,32,23
